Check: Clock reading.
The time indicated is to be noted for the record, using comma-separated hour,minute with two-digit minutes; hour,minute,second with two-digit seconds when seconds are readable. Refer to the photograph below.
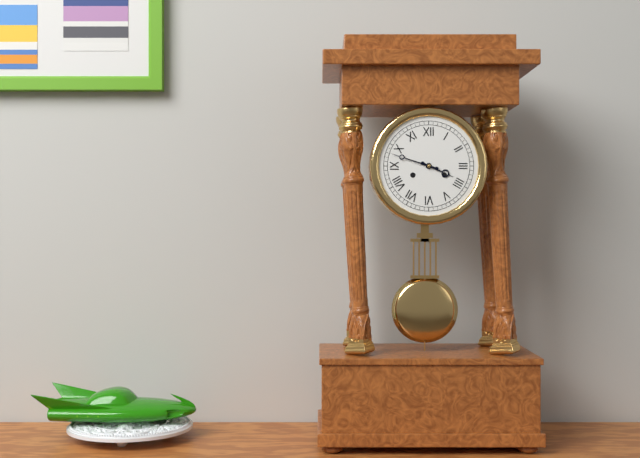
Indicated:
3,48
